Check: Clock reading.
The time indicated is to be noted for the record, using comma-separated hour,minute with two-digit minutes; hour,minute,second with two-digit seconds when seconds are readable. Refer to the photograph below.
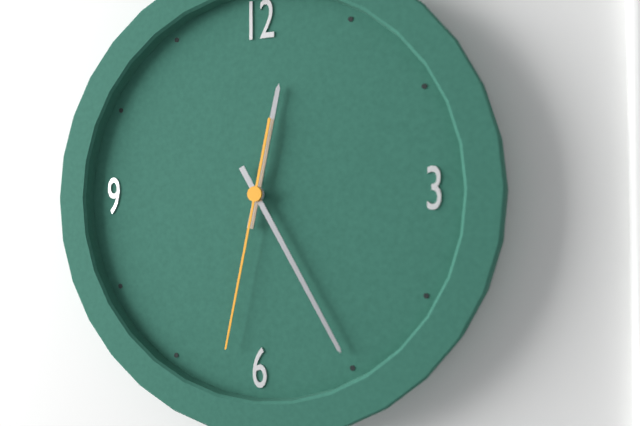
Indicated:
12,25,32
